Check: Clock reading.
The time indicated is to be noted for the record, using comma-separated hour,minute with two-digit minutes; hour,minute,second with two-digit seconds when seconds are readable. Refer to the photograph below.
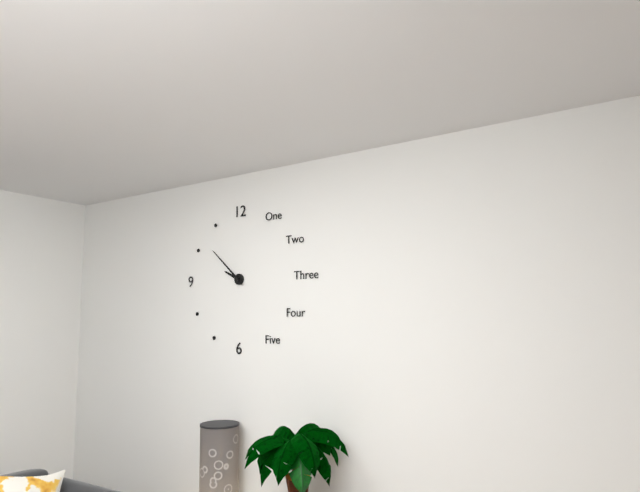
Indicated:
9,52
